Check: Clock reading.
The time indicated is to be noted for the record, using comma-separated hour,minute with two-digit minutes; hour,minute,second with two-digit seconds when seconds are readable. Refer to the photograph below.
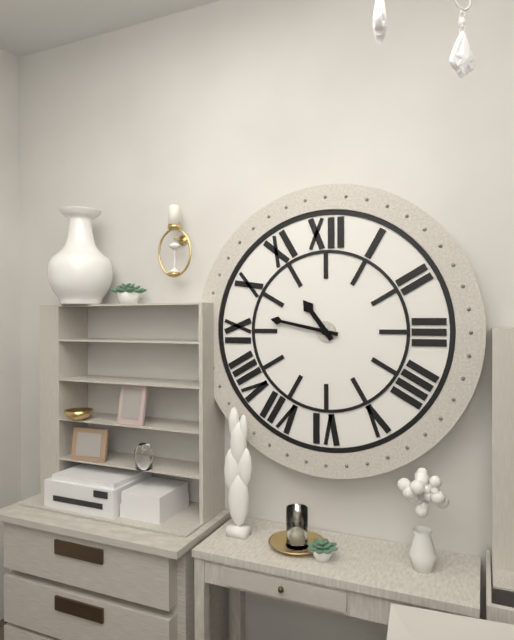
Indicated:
10,47
